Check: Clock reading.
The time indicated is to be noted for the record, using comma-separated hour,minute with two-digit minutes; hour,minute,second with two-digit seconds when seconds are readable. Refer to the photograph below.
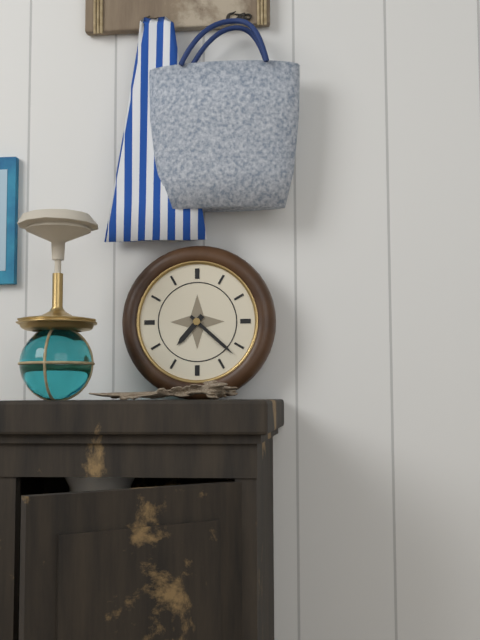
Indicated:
7,22
